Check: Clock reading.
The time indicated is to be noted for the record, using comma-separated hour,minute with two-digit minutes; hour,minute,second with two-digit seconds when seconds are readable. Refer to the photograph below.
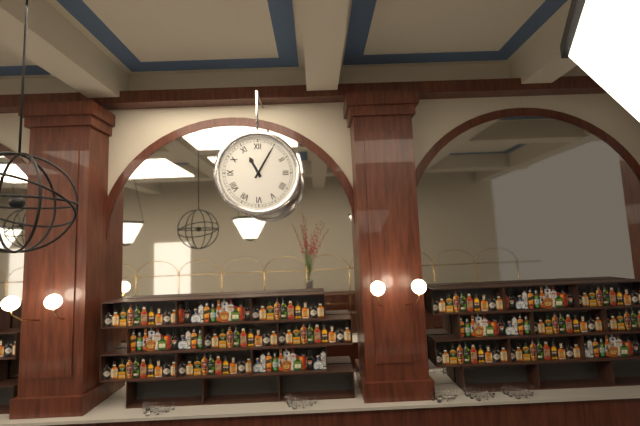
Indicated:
11,05
